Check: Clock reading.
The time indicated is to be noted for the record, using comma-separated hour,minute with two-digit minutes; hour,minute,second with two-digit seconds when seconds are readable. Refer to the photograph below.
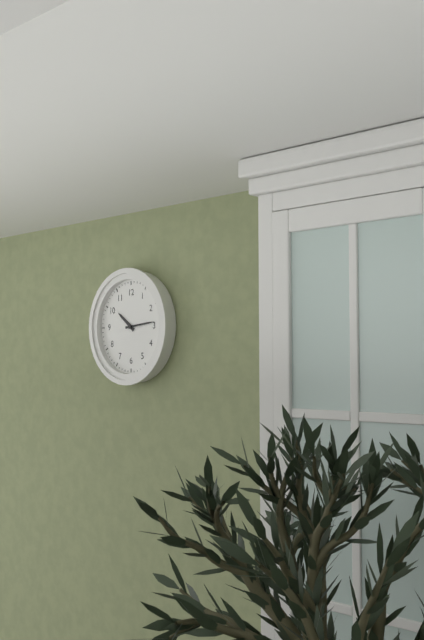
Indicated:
10,14
